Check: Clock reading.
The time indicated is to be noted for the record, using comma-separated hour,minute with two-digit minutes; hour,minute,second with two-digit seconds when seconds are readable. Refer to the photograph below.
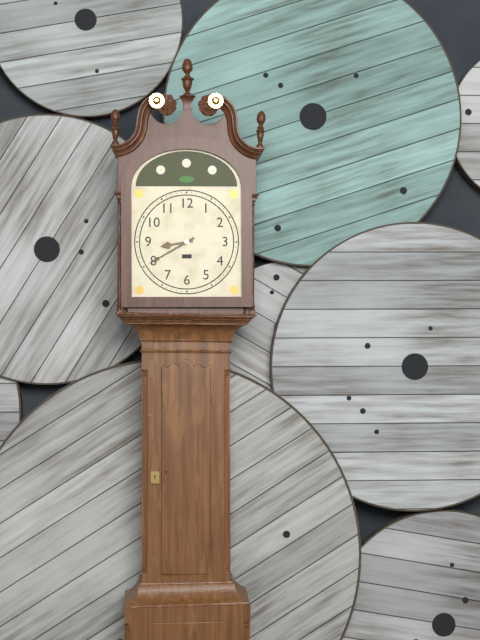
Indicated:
8,40
